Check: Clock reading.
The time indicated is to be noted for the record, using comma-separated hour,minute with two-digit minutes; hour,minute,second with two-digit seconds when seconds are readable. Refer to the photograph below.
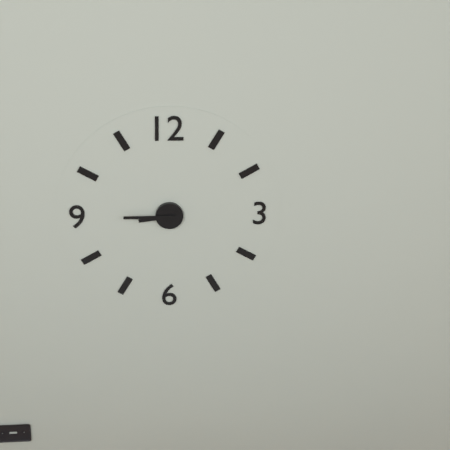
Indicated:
8,45
